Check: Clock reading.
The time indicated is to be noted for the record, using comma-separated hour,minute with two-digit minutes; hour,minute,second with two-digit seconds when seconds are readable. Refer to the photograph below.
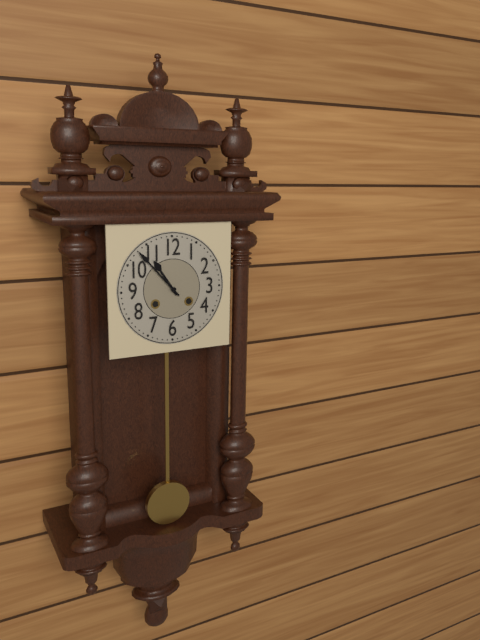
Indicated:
10,53
